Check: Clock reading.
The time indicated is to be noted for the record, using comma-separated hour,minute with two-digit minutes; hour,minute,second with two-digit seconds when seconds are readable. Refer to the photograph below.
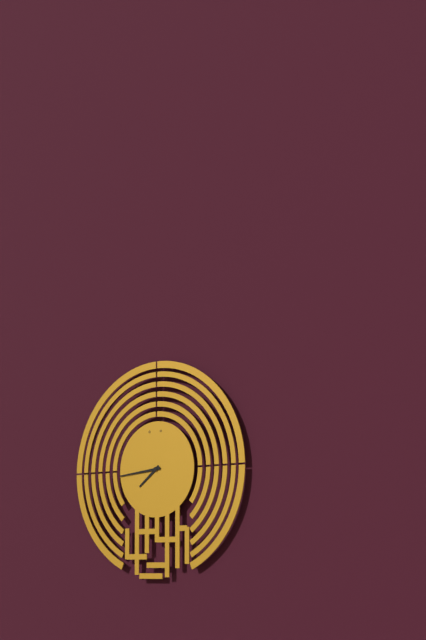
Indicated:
7,44
